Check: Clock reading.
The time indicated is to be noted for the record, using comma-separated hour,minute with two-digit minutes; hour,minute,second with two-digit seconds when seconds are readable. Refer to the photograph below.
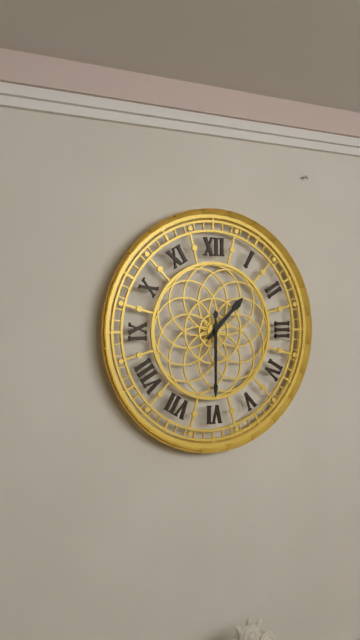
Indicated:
1,30
